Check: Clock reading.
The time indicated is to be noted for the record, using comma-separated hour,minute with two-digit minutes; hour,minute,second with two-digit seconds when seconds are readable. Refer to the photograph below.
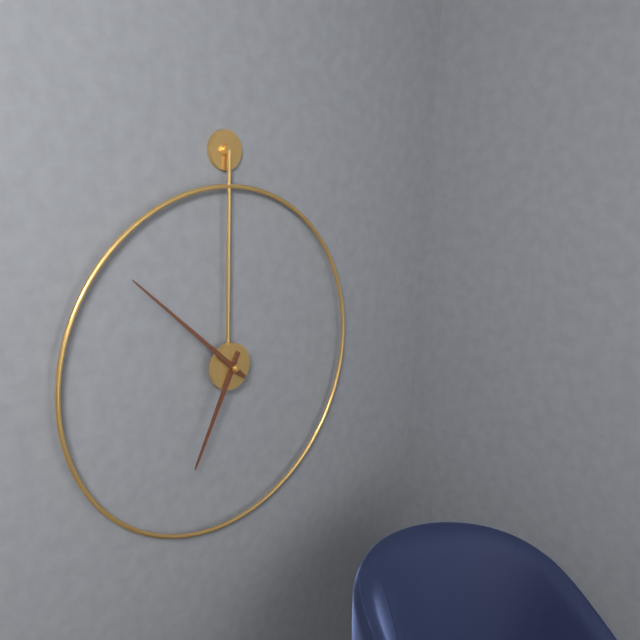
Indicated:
6,52
